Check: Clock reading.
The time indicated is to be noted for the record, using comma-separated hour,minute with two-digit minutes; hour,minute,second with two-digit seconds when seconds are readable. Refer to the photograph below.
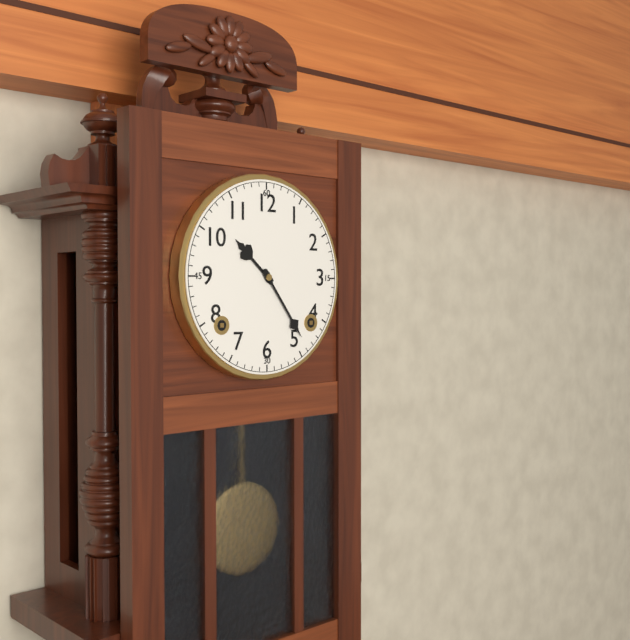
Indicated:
10,24
